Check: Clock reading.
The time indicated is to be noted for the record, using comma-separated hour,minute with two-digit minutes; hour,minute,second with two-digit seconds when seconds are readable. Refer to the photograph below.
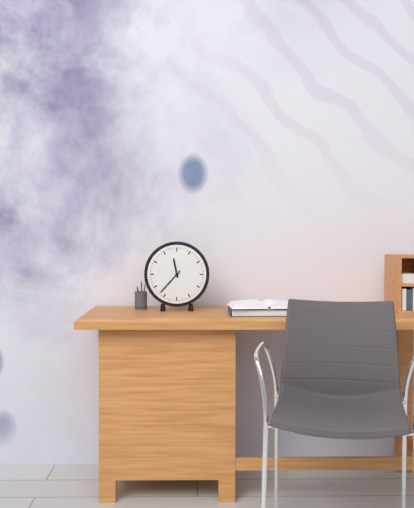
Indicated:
11,37
